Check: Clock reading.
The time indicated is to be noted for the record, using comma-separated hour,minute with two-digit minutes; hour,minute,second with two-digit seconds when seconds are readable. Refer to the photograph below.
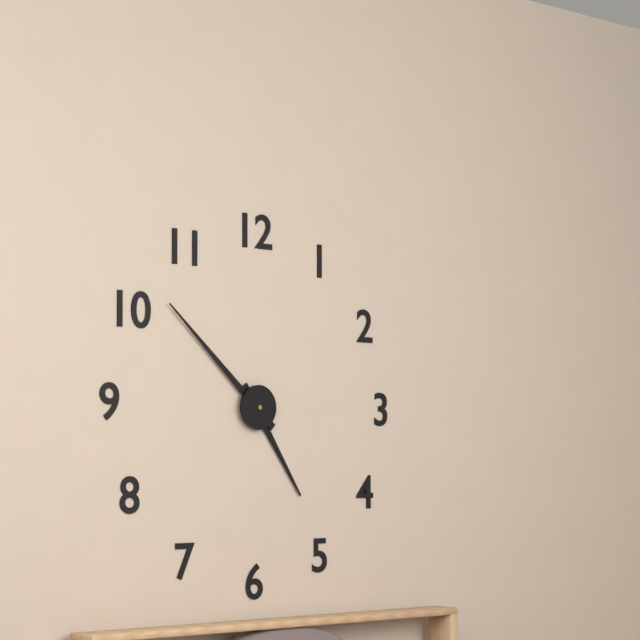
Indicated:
4,52
